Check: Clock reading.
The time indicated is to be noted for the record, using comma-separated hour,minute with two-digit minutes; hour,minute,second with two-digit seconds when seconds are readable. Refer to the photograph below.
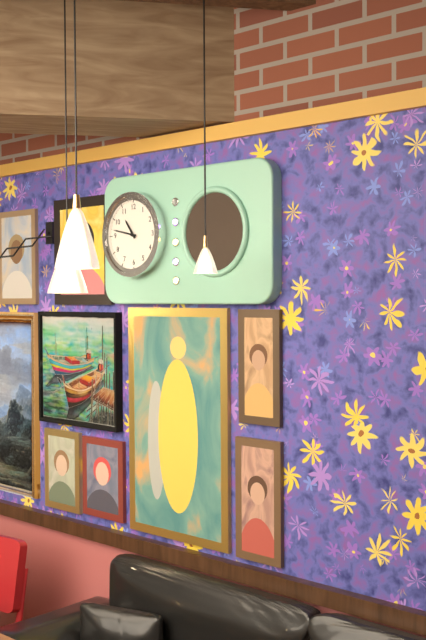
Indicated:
10,47
